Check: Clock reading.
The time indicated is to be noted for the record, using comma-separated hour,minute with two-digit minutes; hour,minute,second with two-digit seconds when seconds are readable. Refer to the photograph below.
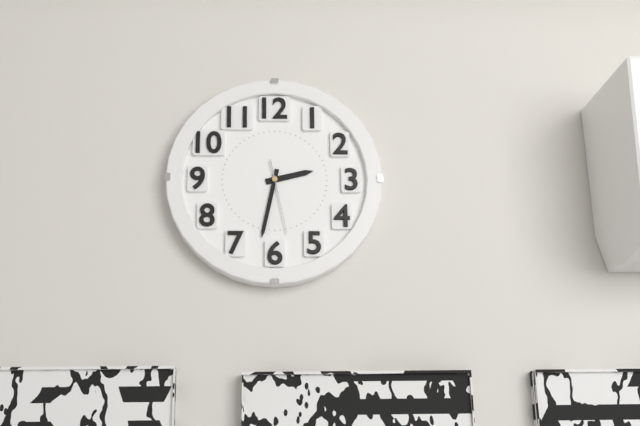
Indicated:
2,32,28
